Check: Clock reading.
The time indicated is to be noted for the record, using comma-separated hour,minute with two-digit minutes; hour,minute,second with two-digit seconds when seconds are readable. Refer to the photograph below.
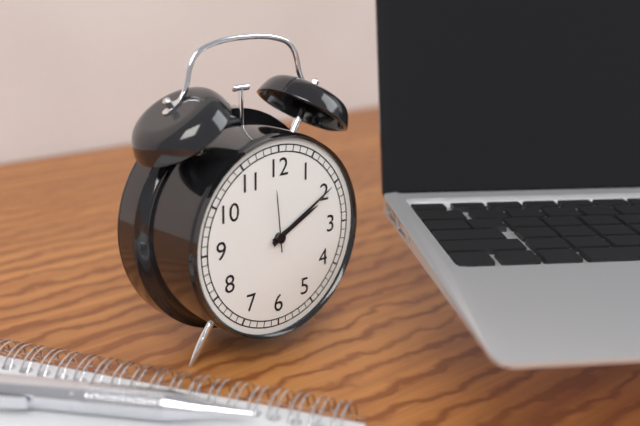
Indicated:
2,10,59
